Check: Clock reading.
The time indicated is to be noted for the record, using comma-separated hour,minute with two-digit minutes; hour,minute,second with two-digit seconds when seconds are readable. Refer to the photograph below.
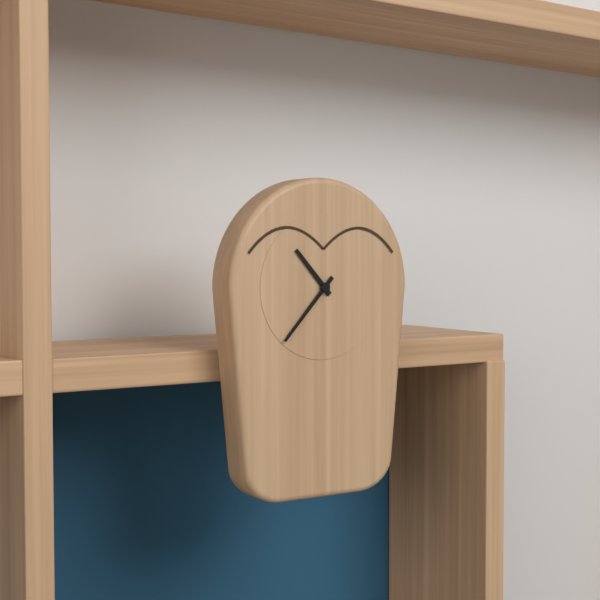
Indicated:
10,37
